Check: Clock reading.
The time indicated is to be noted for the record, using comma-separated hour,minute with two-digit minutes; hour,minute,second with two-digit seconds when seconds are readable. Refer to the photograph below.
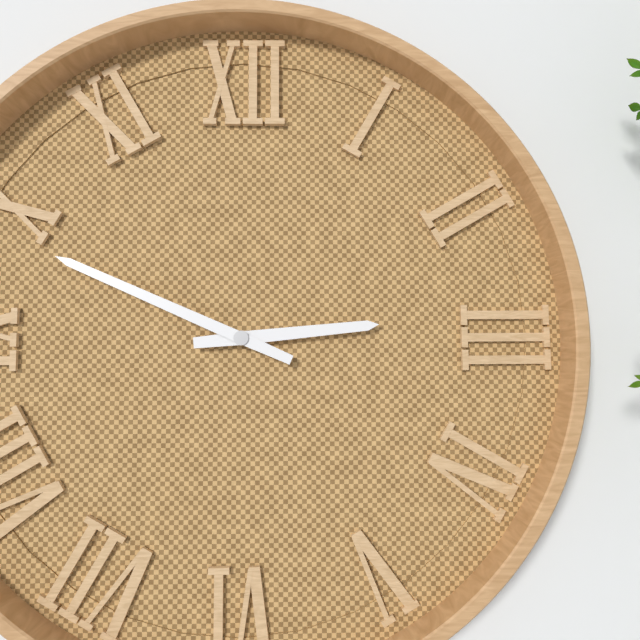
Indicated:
2,49
